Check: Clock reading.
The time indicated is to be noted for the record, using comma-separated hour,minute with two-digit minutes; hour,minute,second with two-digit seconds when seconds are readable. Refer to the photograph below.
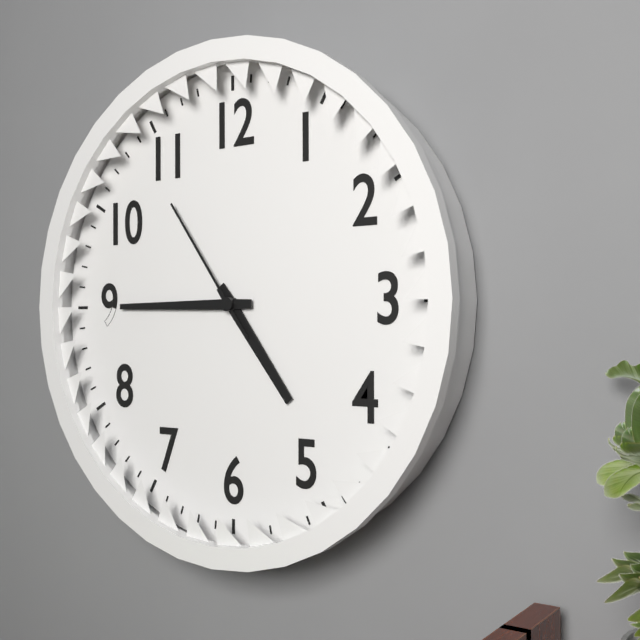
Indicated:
4,45,54
